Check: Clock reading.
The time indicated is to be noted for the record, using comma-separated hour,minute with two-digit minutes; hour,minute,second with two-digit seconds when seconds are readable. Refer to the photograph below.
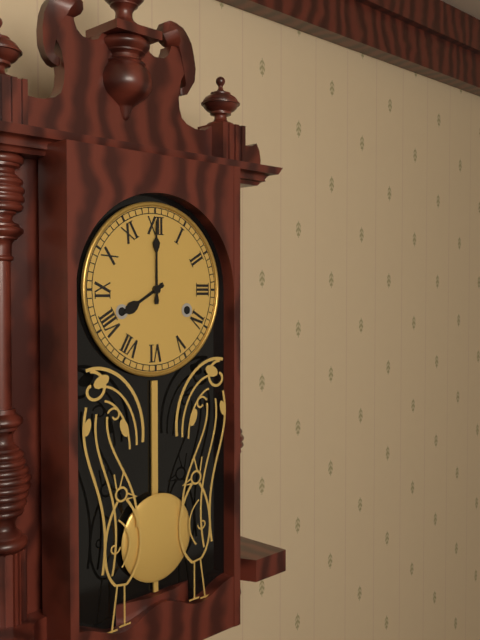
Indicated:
8,00
